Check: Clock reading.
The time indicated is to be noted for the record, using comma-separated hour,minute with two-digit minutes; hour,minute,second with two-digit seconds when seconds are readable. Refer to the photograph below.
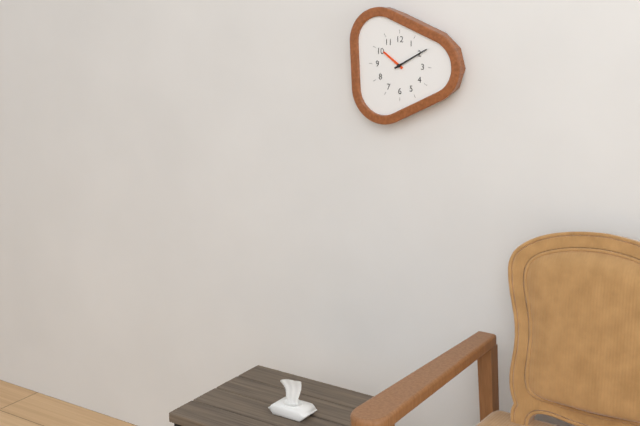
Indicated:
10,10
